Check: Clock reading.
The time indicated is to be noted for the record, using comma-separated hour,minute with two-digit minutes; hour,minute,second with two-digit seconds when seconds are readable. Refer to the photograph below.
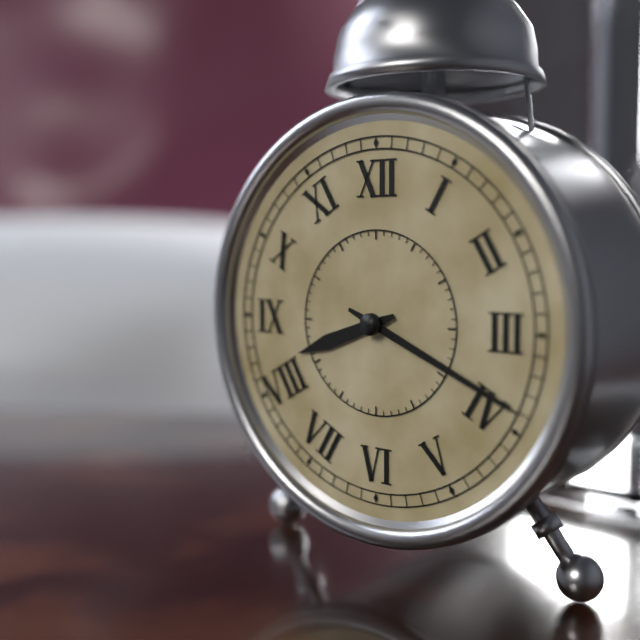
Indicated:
8,19
